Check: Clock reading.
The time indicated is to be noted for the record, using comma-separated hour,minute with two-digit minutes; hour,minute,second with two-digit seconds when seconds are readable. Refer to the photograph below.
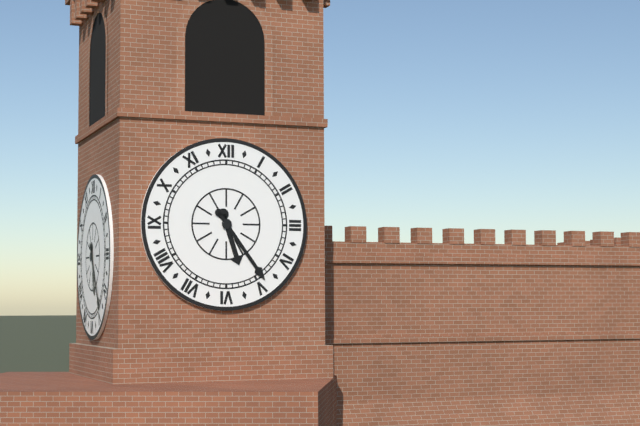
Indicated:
5,24
